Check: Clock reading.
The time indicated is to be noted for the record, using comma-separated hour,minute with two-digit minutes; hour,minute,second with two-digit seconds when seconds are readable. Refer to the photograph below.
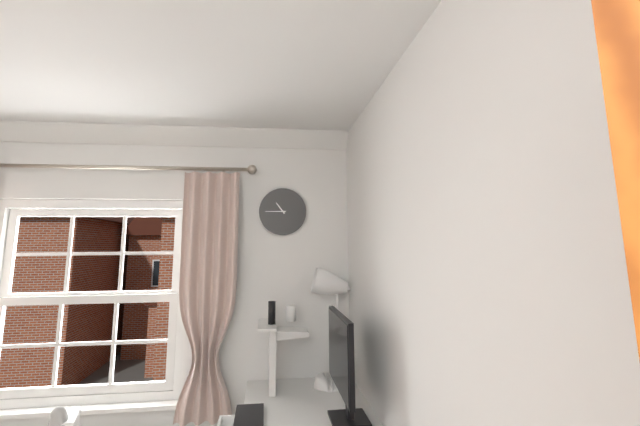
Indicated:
10,45
